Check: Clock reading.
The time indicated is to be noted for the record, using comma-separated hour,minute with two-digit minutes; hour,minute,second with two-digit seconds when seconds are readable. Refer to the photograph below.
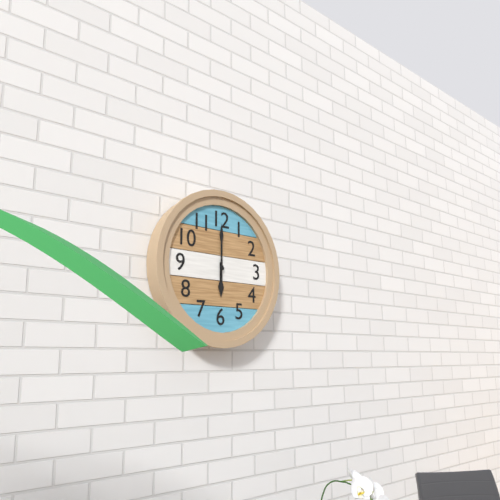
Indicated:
6,00
